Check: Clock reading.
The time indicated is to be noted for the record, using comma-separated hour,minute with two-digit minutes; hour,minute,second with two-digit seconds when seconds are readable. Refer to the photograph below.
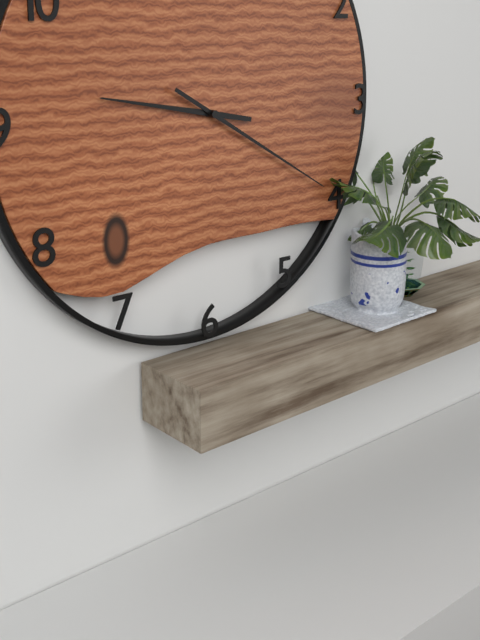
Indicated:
9,20
